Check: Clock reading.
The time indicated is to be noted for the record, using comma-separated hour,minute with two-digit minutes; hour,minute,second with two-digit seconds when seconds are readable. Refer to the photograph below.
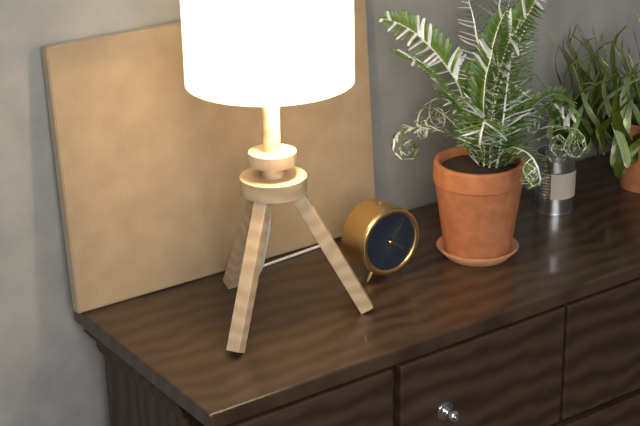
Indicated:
4,06
